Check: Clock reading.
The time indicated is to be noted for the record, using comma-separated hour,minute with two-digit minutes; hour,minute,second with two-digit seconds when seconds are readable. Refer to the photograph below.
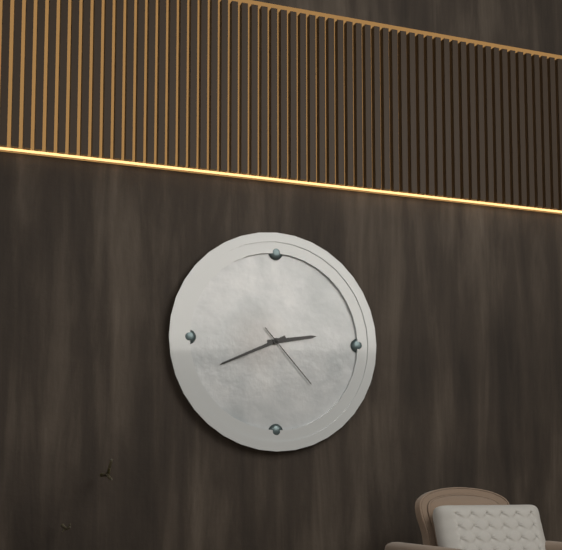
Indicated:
2,41,23
